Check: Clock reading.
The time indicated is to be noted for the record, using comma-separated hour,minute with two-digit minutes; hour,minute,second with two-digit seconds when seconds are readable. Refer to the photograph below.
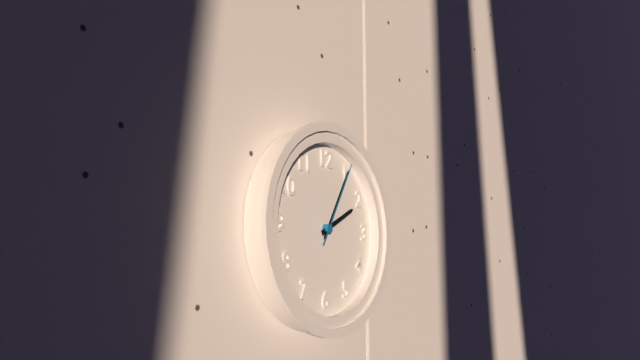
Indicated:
2,05,05
